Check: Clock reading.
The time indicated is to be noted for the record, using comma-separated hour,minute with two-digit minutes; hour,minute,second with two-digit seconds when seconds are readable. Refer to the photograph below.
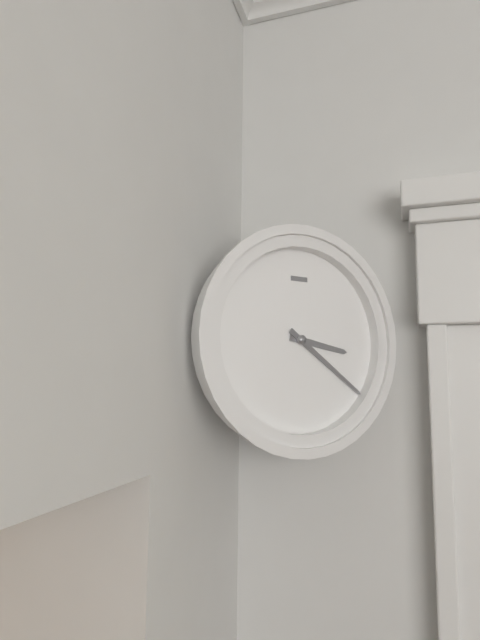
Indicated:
3,21
